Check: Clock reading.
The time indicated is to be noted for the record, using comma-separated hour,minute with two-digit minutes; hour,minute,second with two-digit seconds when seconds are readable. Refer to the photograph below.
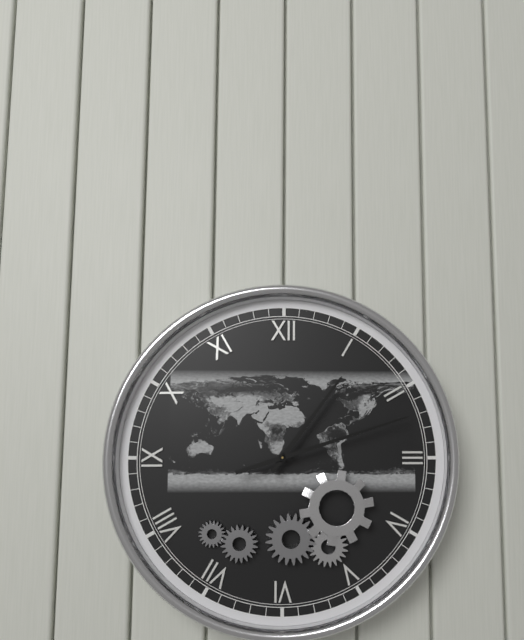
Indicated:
1,12
